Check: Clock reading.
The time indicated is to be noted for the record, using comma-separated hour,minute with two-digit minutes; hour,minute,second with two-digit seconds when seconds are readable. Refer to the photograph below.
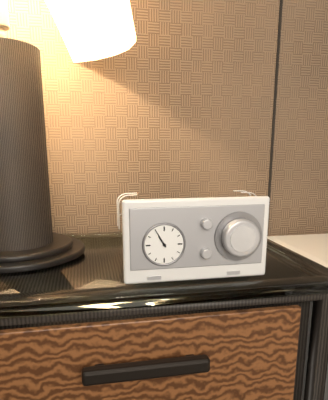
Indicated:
10,55
